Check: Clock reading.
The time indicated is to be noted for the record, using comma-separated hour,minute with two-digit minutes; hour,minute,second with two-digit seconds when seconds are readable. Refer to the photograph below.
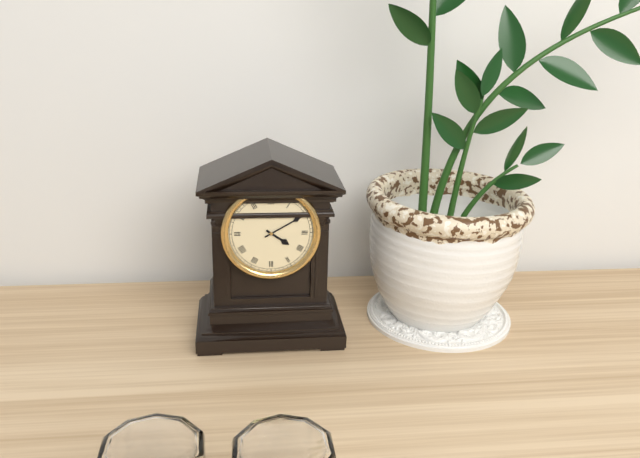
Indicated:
4,10
